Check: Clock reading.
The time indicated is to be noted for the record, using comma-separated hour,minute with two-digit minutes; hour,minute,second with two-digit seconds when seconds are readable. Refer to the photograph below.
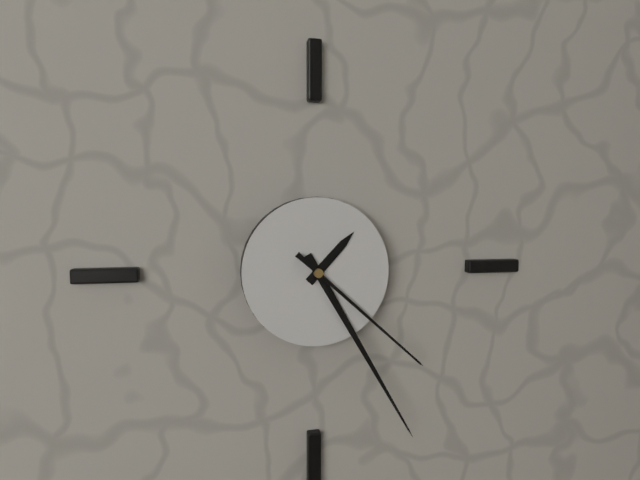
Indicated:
1,25,22
